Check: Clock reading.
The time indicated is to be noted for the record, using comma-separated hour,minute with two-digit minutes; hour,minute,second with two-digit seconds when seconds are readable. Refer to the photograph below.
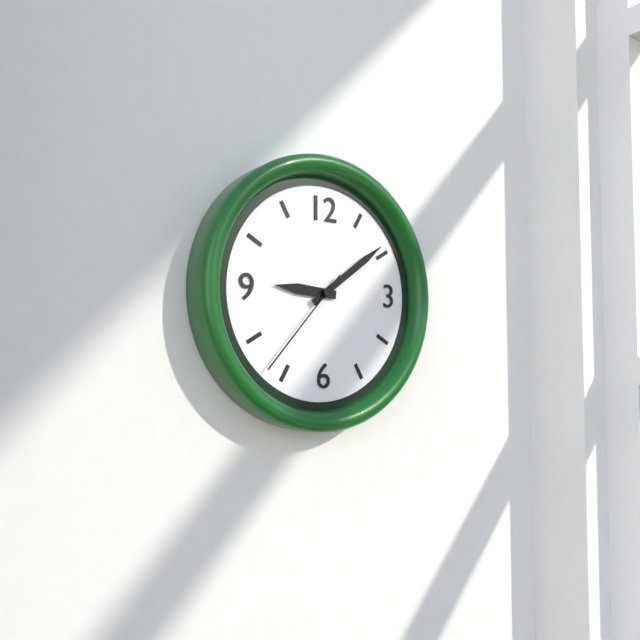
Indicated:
9,09,37
